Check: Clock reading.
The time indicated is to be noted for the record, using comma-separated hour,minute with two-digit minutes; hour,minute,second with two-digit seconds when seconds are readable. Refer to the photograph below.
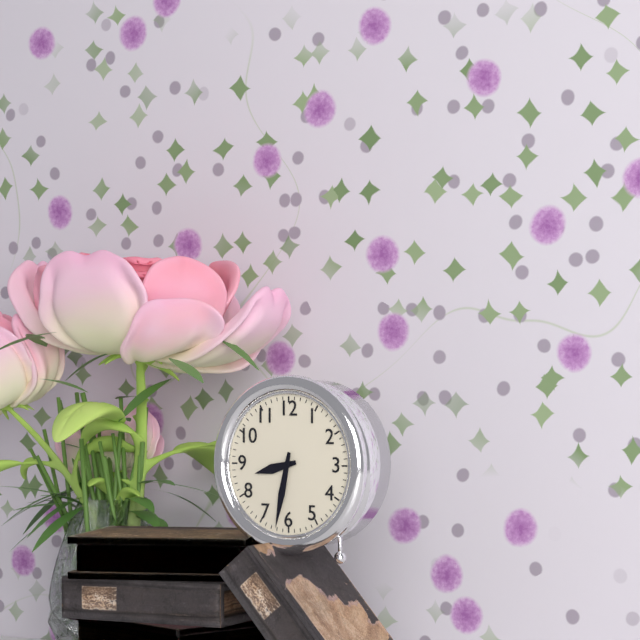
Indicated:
8,32
